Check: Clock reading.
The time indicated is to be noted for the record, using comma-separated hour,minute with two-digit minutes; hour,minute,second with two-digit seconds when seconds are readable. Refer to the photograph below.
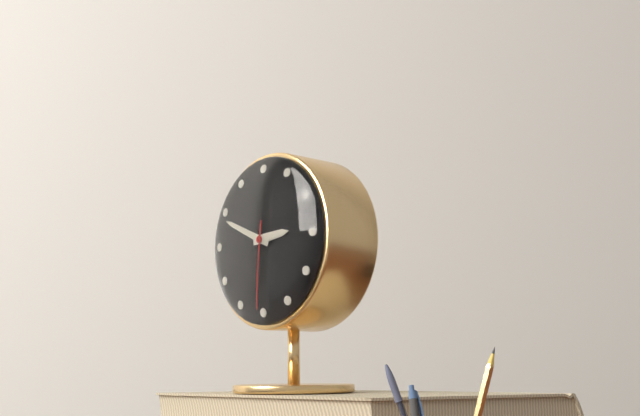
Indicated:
2,49,31
